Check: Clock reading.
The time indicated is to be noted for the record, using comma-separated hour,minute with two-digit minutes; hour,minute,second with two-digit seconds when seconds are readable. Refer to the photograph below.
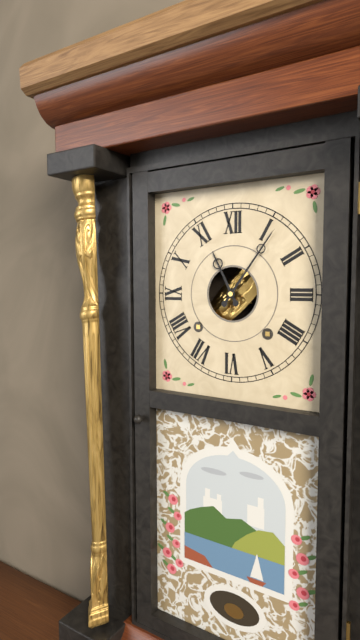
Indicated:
11,06
